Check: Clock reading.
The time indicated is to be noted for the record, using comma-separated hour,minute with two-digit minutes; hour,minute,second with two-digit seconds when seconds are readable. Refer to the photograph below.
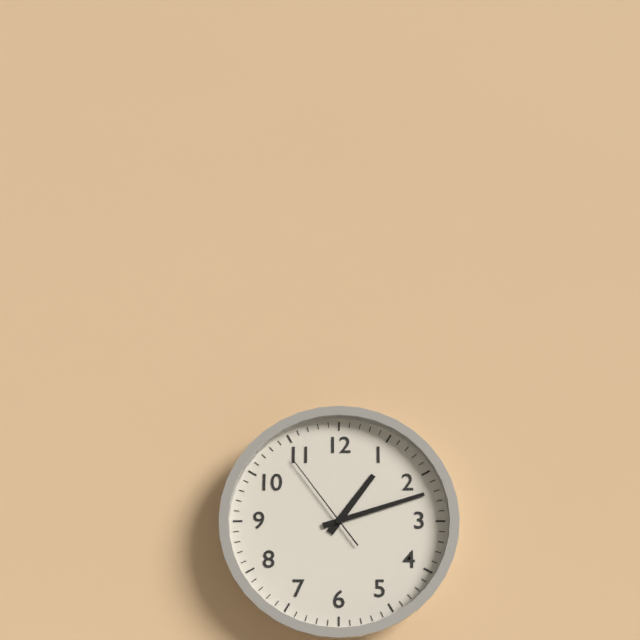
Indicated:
1,12,54
